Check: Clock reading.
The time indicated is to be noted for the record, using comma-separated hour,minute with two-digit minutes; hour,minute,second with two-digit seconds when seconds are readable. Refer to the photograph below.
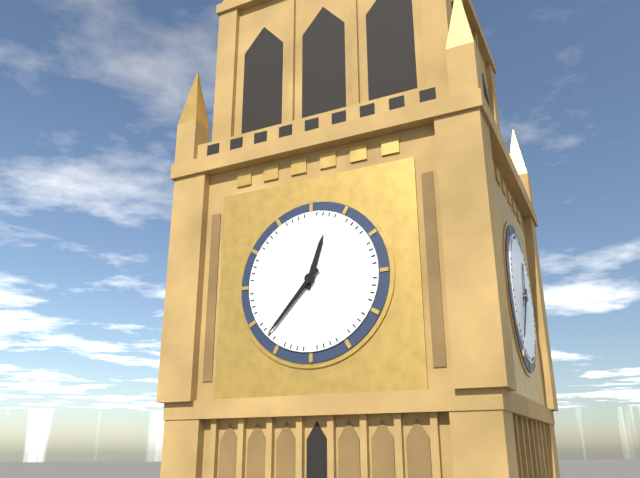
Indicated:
12,37
